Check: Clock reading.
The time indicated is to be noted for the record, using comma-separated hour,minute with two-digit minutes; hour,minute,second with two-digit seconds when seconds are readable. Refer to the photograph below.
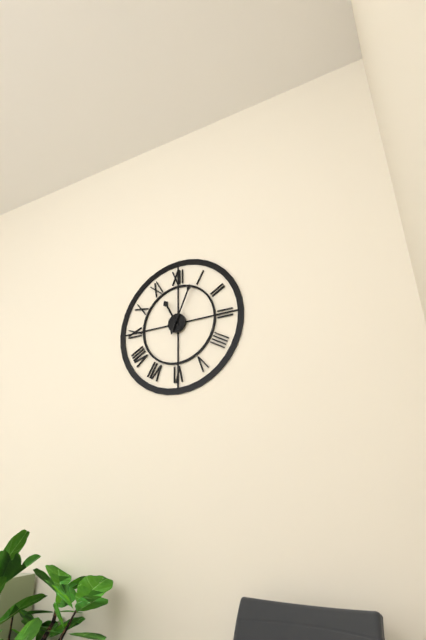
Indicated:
11,04
